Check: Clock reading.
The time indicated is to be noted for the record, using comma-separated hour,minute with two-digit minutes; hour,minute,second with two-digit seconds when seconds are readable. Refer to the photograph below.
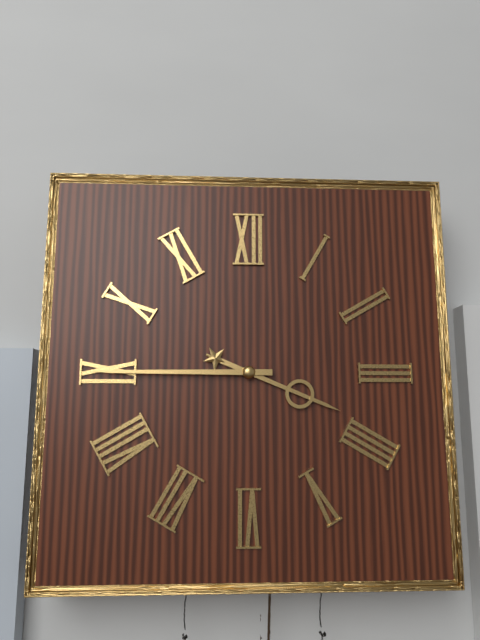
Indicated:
3,45
